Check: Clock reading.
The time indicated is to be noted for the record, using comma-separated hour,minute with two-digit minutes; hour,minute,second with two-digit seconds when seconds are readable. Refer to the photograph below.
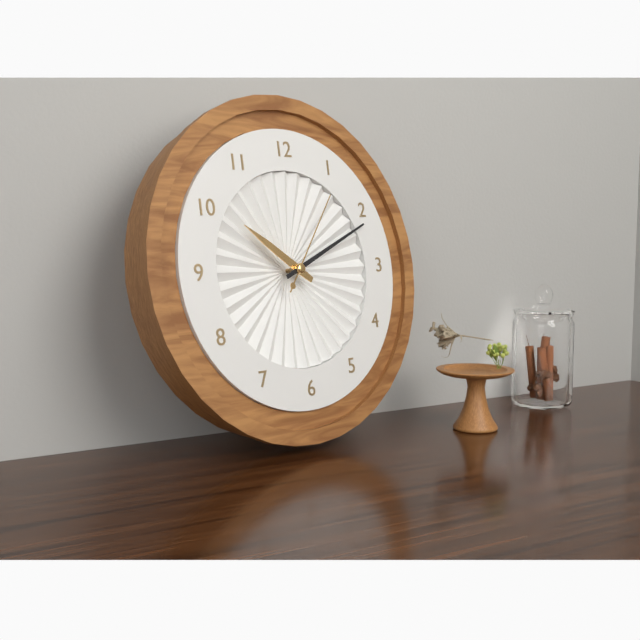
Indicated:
10,11,06
